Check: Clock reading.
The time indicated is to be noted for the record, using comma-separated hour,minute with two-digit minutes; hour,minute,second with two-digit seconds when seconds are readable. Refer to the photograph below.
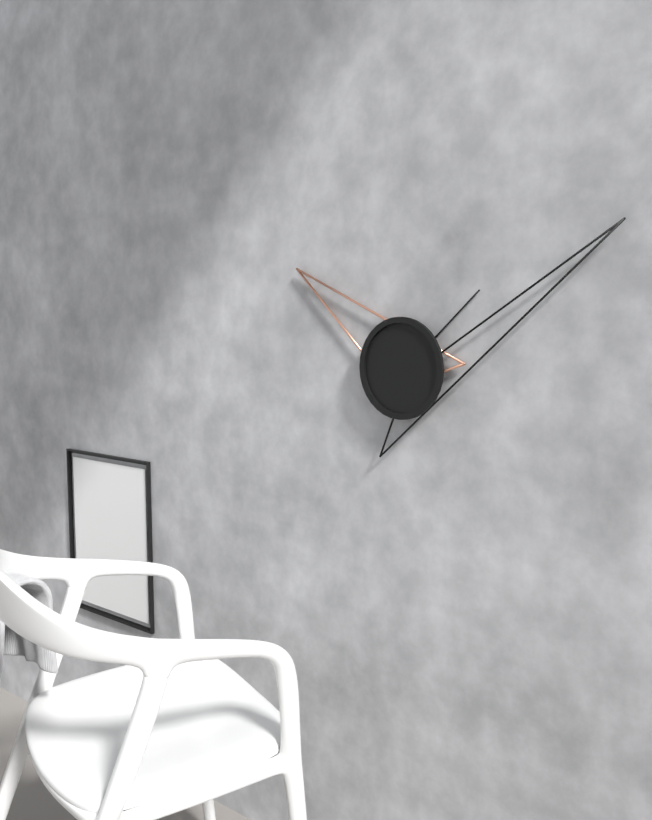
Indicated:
10,10,08
